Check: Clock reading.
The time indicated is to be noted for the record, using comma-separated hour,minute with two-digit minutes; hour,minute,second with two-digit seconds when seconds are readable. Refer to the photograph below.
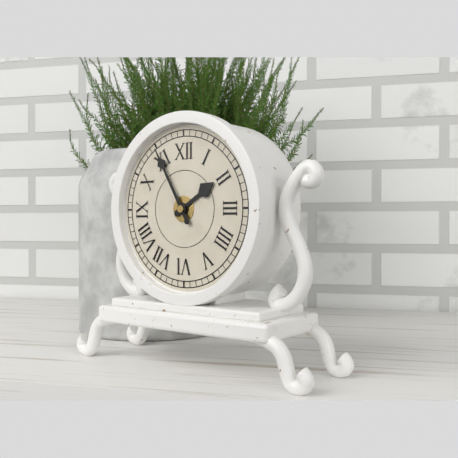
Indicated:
1,55
